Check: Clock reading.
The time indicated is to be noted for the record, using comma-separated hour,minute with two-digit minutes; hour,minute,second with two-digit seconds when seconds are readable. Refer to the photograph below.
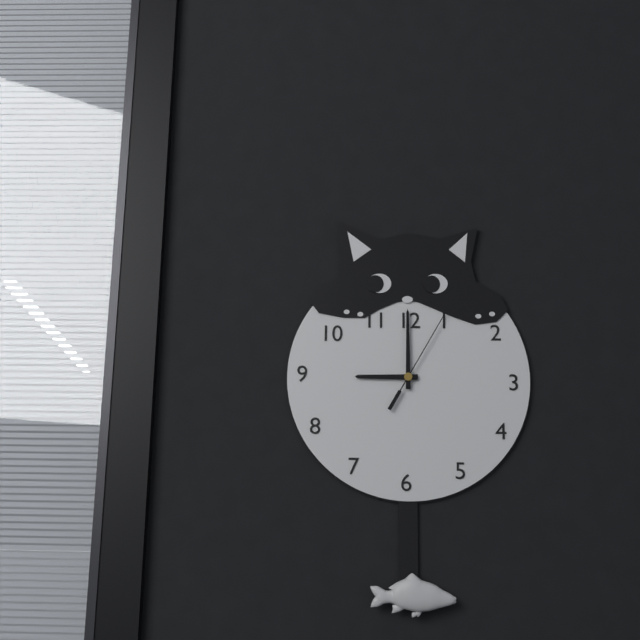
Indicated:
9,00,05
